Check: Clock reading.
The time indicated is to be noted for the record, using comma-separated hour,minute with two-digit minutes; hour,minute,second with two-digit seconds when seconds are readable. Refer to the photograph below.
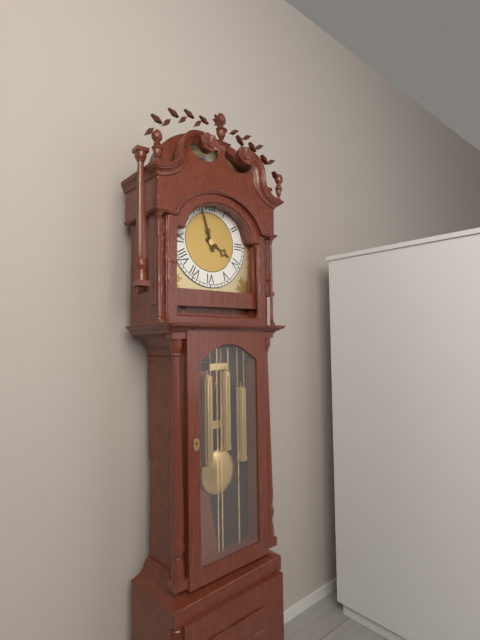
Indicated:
3,57
